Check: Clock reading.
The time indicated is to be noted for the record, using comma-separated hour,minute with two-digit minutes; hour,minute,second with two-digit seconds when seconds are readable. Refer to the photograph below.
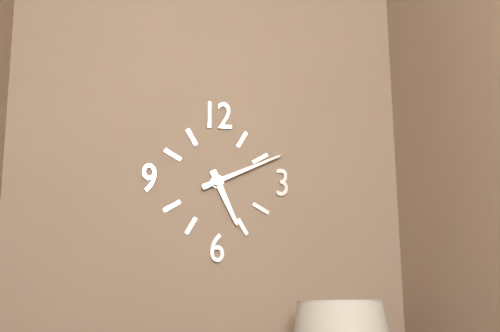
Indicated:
5,11
